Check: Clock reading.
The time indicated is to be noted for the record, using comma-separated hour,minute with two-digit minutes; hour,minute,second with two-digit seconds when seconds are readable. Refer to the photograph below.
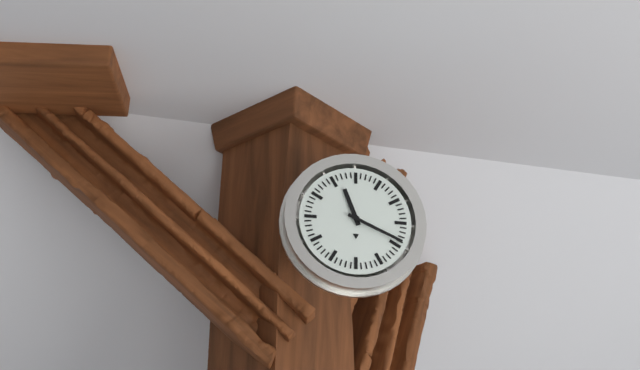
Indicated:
11,19
